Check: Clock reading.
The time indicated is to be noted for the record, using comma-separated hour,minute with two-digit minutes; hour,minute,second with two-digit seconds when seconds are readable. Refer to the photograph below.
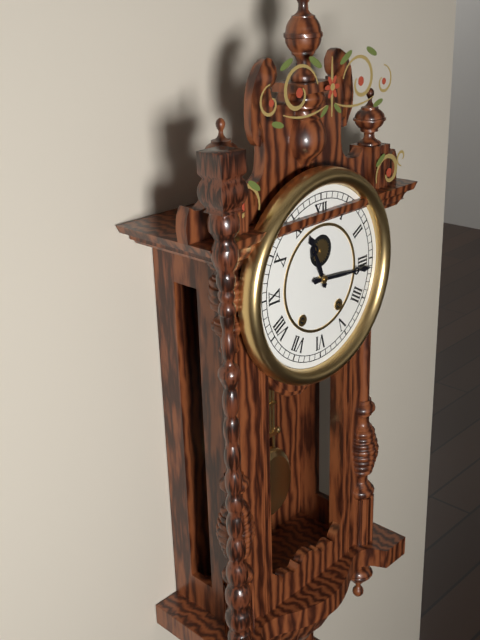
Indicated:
11,16
